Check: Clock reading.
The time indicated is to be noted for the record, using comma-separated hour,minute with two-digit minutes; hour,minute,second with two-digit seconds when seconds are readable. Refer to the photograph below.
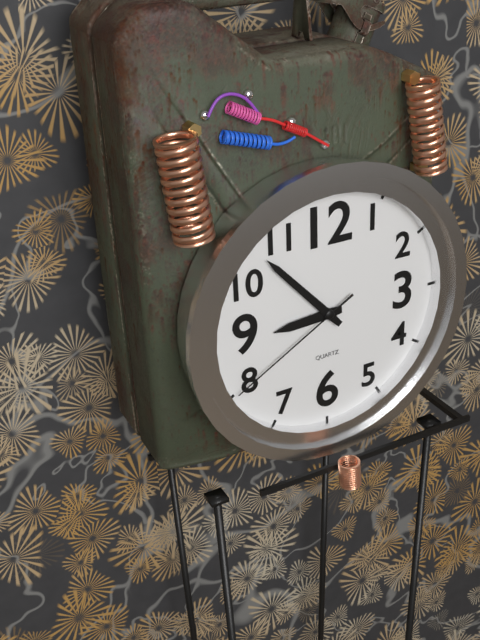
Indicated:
8,53,40
